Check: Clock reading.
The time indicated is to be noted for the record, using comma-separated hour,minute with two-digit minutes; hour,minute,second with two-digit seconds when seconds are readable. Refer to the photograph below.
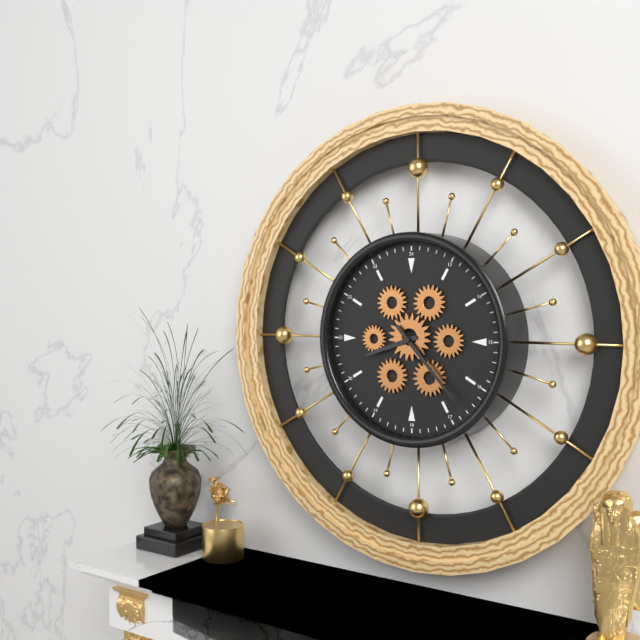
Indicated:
8,23
